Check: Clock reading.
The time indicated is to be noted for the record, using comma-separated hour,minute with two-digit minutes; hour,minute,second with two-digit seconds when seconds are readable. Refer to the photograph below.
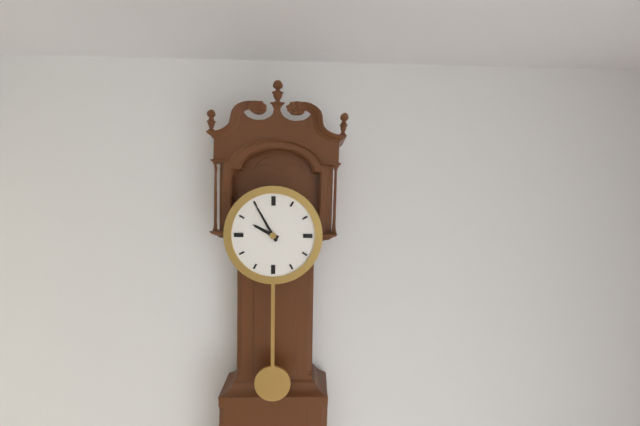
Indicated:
9,55
